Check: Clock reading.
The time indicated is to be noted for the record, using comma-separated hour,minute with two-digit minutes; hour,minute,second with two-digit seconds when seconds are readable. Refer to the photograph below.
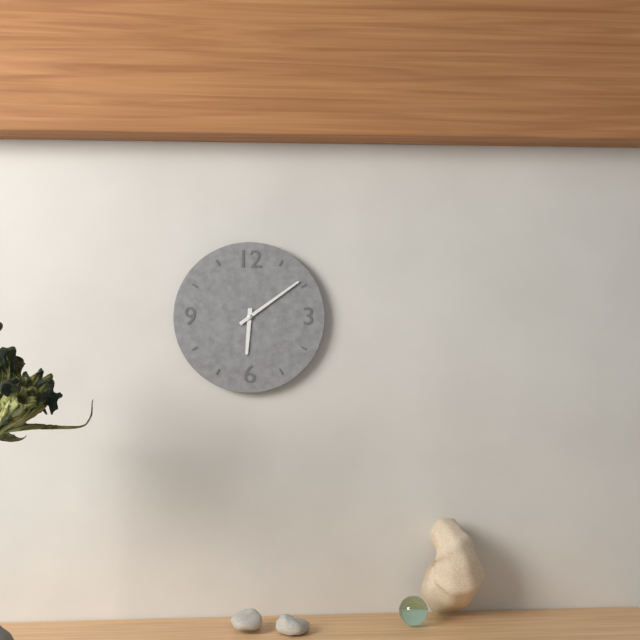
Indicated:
6,09
